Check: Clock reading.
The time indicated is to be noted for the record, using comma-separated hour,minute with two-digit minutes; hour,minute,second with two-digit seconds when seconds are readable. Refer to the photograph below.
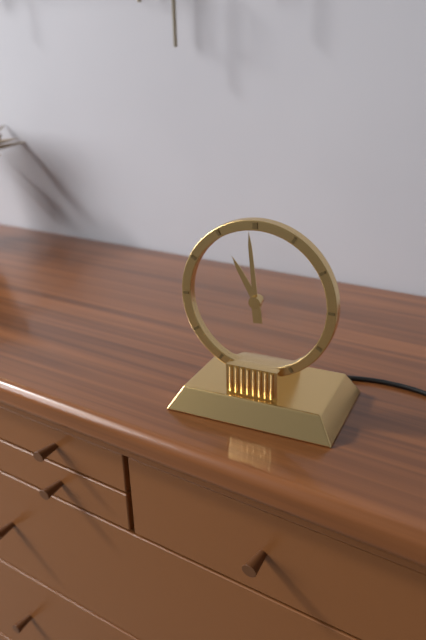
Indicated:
10,59
